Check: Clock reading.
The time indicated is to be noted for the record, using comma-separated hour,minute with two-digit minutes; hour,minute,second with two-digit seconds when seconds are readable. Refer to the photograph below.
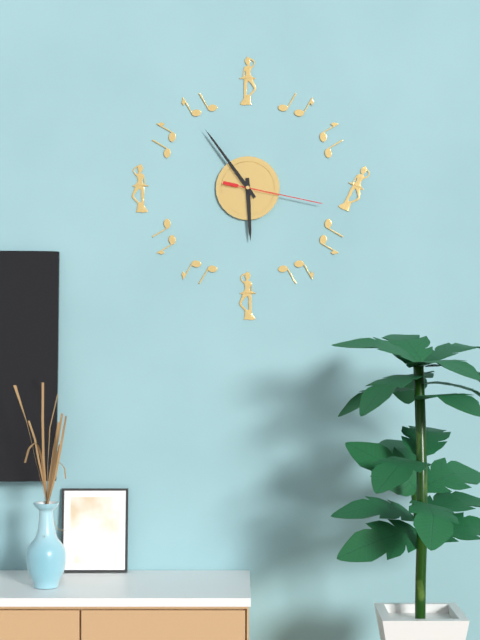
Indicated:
5,54,17
